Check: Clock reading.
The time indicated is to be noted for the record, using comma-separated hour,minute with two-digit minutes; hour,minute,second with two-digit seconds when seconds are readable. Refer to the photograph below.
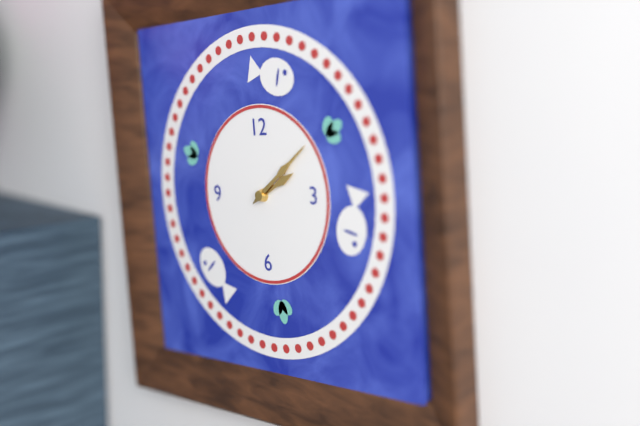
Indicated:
2,09
